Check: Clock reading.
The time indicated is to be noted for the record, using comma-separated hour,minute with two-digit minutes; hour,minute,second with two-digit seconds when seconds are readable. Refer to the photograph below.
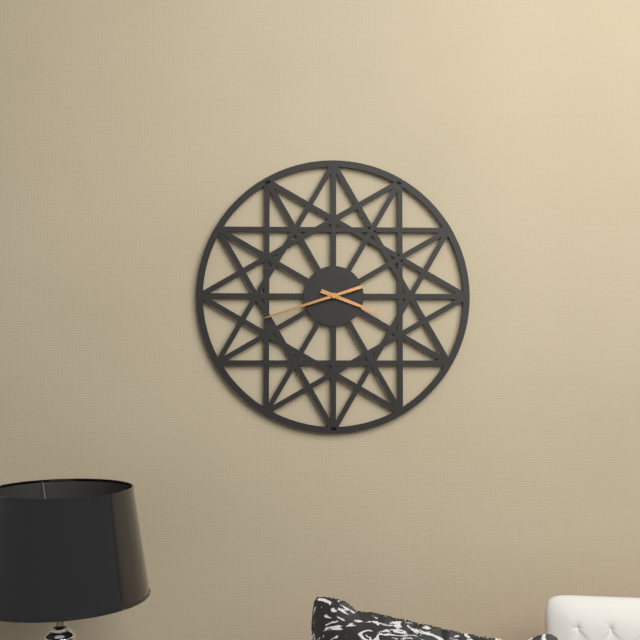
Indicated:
3,42
